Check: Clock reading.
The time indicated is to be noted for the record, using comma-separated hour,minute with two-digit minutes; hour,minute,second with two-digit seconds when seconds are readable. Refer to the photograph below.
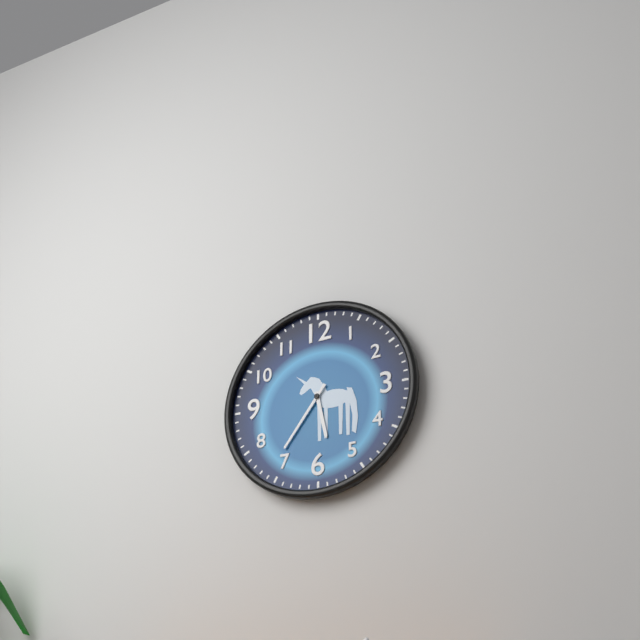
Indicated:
5,36
